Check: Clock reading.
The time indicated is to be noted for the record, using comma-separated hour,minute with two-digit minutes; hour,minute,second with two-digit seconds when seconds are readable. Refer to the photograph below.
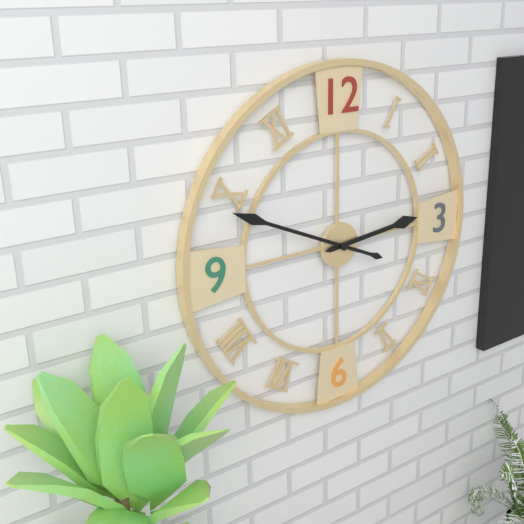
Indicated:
2,49
